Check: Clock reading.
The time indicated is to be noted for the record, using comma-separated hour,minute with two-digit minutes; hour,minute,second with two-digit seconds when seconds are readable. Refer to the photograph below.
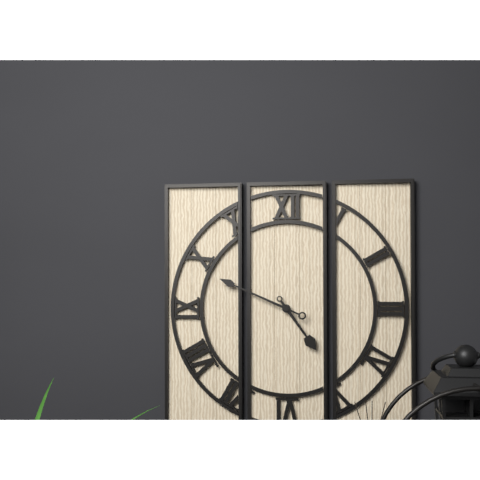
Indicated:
4,49
